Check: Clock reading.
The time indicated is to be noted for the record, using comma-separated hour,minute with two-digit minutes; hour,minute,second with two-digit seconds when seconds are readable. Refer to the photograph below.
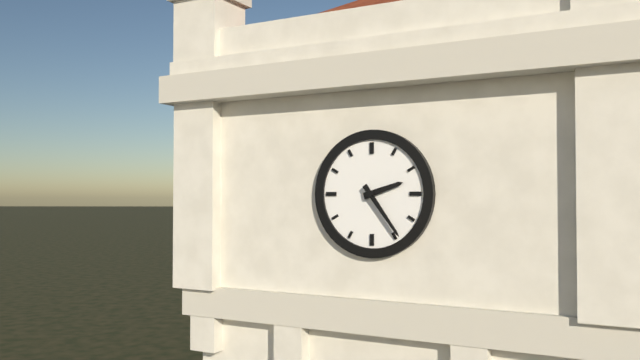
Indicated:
2,24
